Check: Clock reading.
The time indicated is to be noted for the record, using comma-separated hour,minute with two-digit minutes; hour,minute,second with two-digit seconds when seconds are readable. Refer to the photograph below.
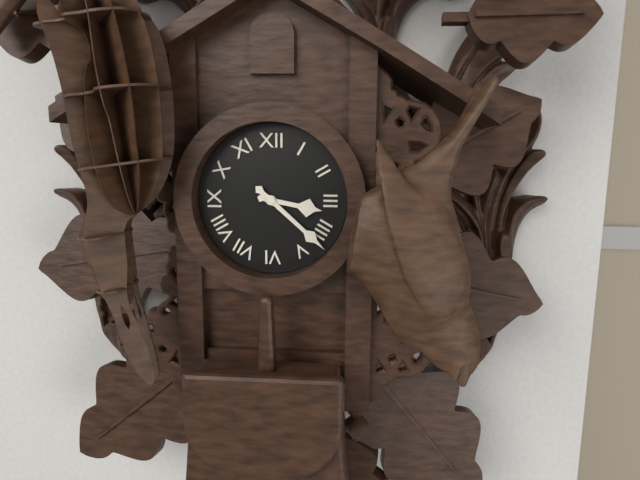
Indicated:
3,22
